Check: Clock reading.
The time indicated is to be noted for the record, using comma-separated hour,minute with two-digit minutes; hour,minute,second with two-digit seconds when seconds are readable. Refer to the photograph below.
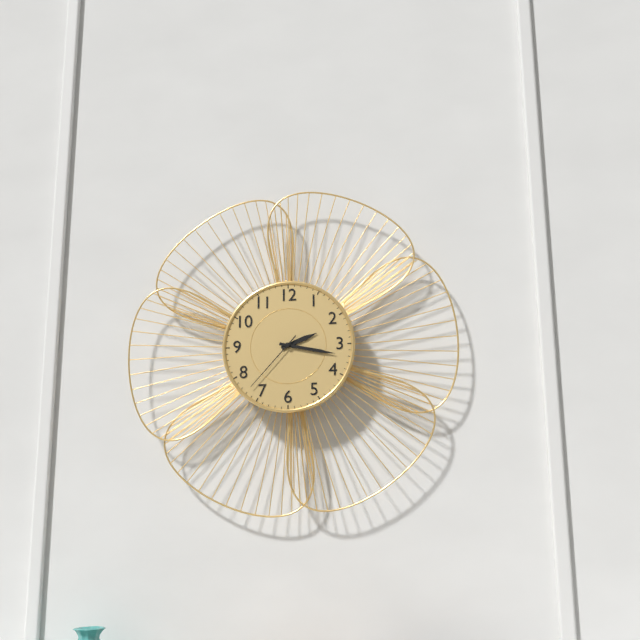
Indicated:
2,17,37
